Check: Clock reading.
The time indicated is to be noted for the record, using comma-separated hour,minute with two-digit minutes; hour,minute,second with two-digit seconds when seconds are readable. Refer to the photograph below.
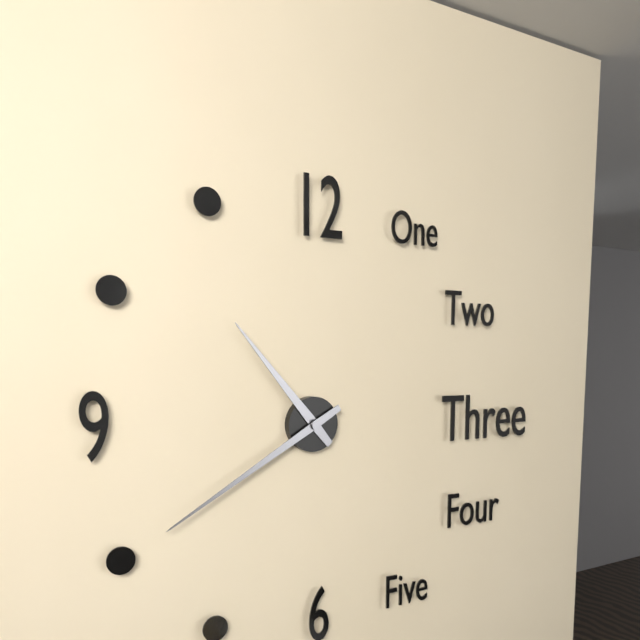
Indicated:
10,40
